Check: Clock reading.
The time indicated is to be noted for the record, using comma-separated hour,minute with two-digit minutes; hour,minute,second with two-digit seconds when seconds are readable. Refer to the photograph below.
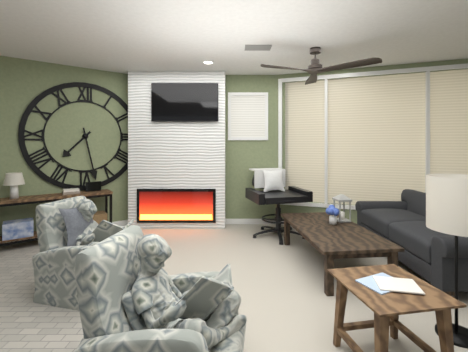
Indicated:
7,28
